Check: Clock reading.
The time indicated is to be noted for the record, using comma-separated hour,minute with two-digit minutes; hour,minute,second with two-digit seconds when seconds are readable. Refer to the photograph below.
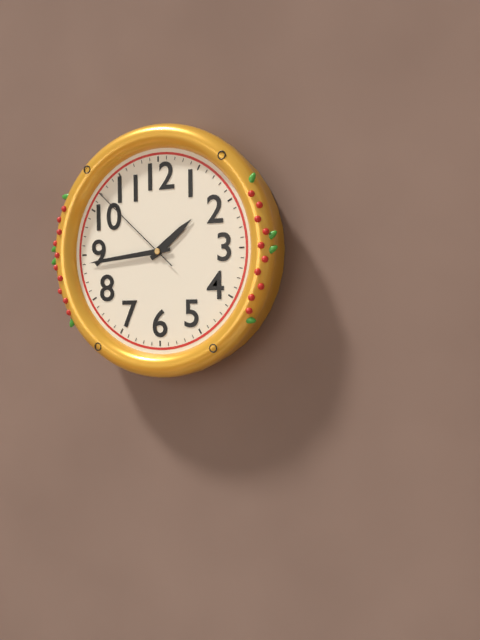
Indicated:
1,44,52
